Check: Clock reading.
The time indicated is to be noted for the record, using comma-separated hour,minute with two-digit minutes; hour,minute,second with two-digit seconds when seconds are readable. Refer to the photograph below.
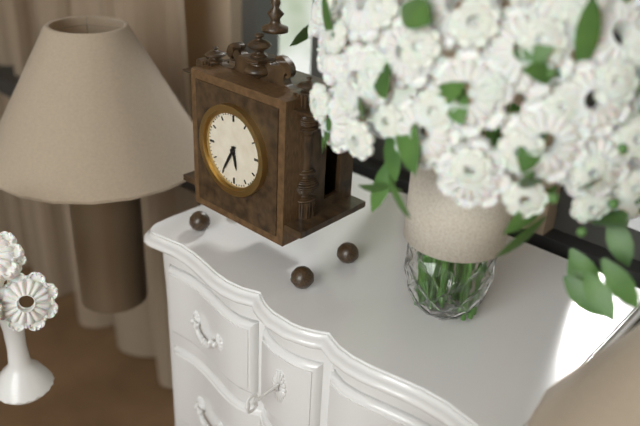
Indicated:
5,35
